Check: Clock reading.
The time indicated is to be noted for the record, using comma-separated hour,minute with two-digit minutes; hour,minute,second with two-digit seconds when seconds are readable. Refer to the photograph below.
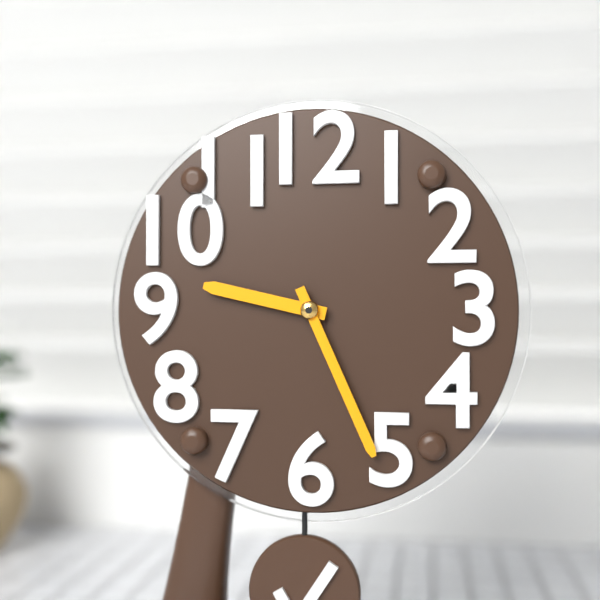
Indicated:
9,26
